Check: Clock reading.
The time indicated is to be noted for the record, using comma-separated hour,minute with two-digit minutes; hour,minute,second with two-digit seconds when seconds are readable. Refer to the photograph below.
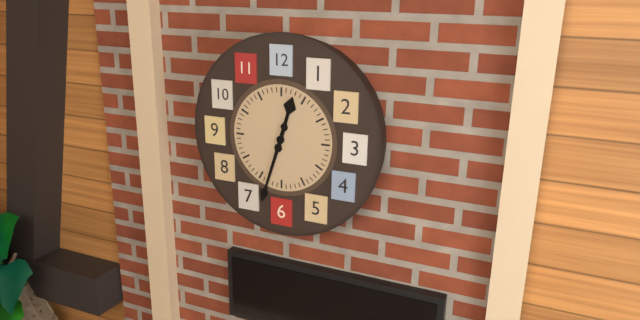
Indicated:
12,33
